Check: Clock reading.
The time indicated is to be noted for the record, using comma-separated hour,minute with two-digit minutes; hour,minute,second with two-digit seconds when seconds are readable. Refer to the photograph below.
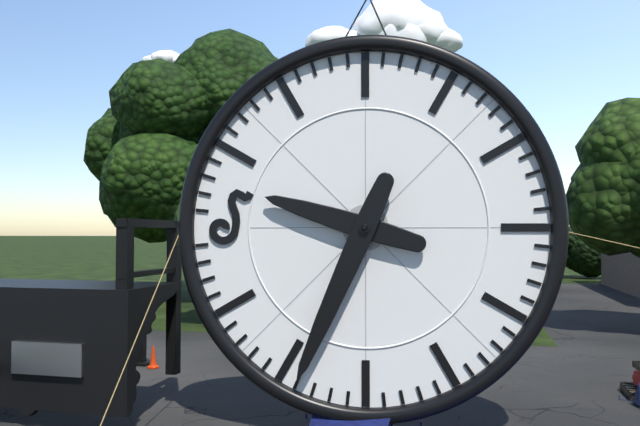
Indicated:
9,34
